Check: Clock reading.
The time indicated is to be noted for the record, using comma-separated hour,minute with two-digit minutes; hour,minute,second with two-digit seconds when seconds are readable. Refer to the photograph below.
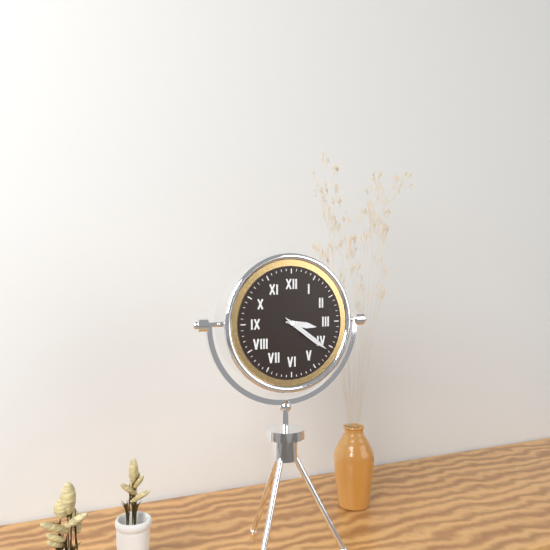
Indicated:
3,21
